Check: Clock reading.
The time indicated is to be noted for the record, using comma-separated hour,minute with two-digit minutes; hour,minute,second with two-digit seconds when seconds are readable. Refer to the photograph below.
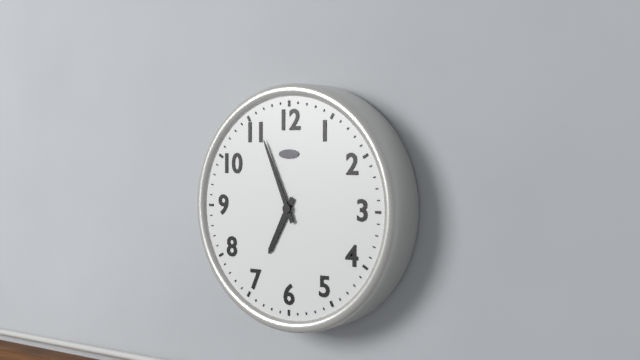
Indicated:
6,56
